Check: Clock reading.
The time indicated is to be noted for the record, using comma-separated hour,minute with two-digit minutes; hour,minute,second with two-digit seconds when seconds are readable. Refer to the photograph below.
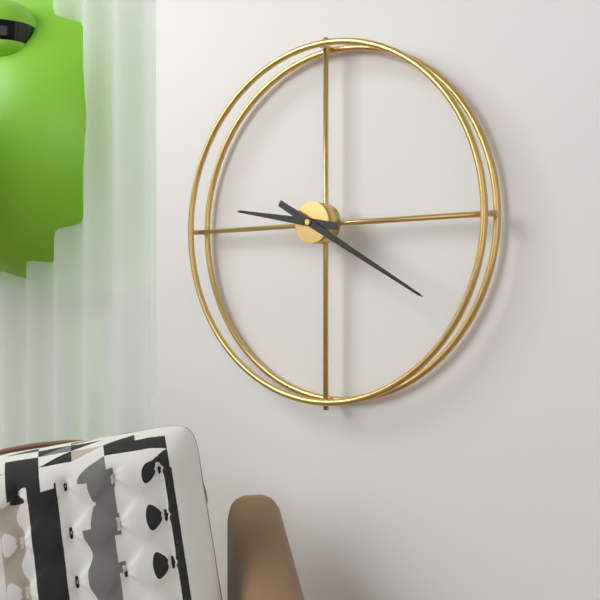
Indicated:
9,20
